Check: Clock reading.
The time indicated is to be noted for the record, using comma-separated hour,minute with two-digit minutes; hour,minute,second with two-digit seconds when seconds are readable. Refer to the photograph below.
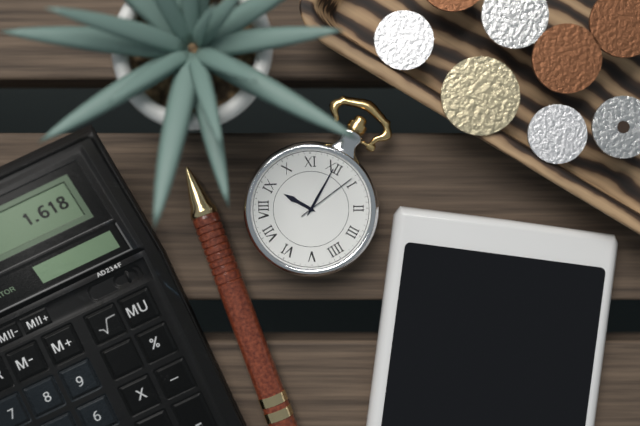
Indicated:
9,00,04
